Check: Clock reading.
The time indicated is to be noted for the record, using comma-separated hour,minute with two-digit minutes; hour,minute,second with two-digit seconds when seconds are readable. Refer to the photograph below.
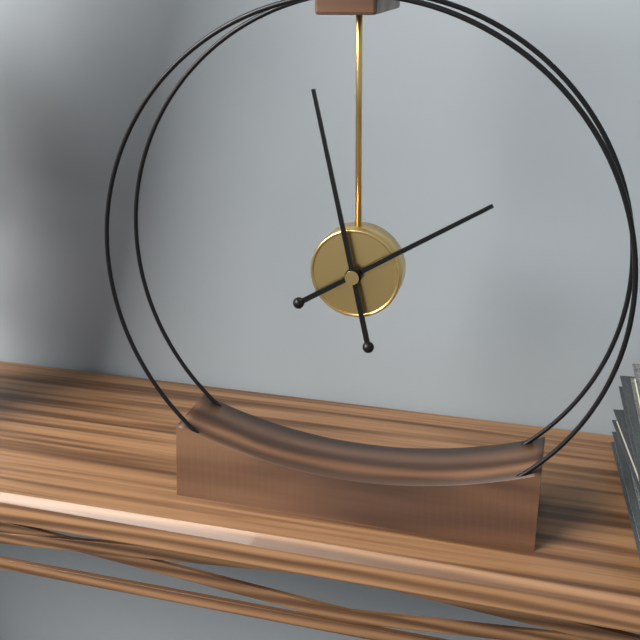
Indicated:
1,58
